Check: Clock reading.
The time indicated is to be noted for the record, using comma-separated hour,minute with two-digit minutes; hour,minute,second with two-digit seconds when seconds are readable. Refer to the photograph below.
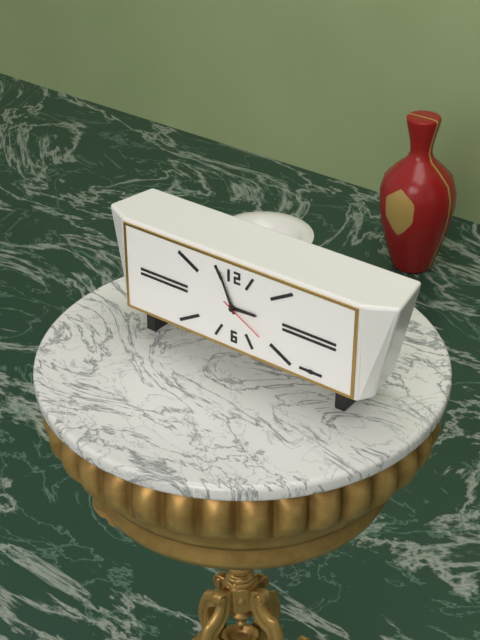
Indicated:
2,56
